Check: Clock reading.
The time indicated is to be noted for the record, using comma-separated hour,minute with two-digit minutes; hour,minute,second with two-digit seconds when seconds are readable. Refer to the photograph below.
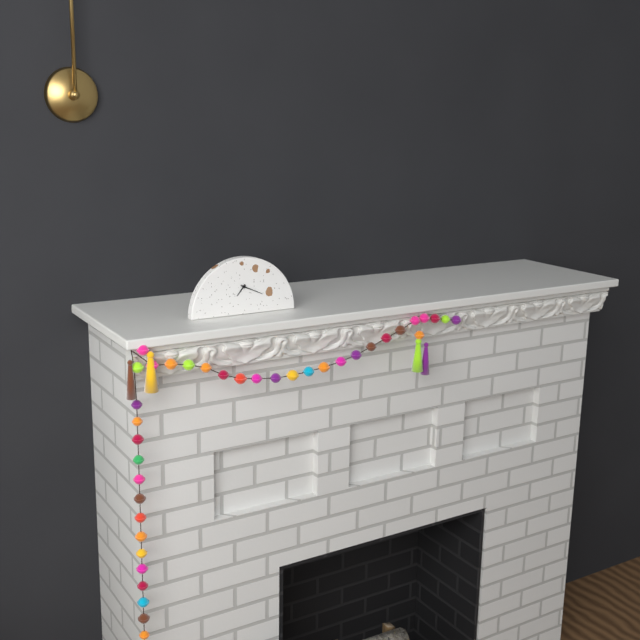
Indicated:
7,19
